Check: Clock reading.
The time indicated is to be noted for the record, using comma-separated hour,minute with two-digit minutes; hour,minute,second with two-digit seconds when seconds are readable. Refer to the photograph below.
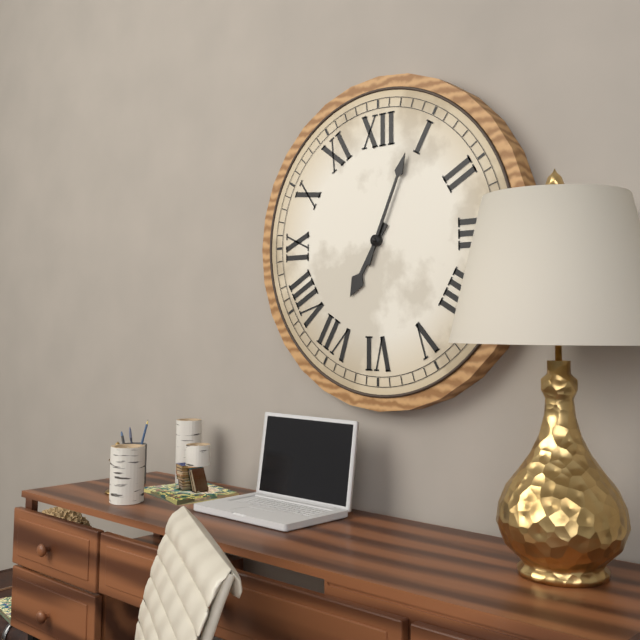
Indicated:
7,04
